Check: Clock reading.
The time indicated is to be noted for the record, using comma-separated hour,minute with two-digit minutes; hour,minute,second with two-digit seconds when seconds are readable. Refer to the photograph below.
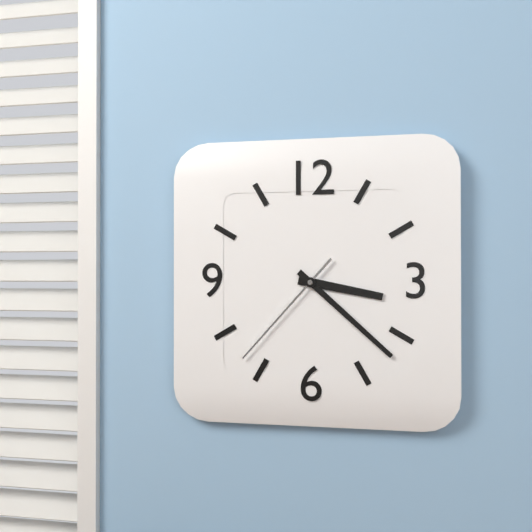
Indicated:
3,22,37
